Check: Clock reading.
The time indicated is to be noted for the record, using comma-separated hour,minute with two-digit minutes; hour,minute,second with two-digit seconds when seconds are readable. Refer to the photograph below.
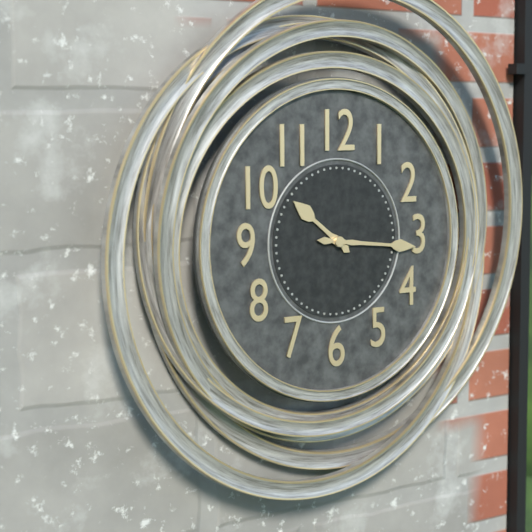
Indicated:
10,16
